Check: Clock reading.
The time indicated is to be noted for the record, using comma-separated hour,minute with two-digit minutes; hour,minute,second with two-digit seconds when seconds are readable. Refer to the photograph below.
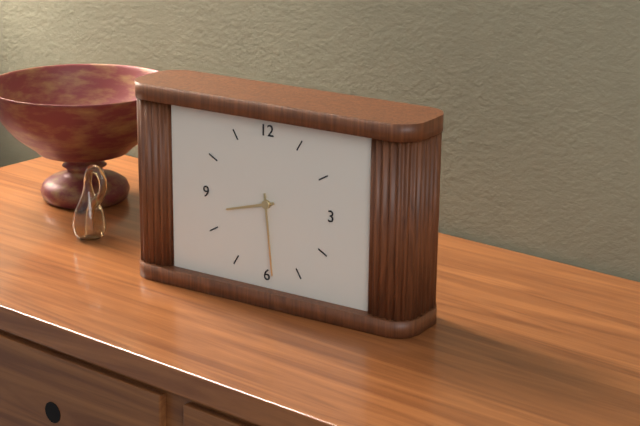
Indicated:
8,29
